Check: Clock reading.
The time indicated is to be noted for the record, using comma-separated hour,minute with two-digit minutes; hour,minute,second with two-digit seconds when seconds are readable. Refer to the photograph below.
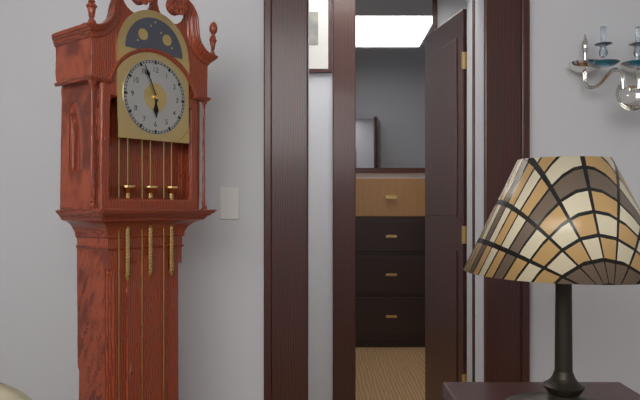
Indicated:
5,56
